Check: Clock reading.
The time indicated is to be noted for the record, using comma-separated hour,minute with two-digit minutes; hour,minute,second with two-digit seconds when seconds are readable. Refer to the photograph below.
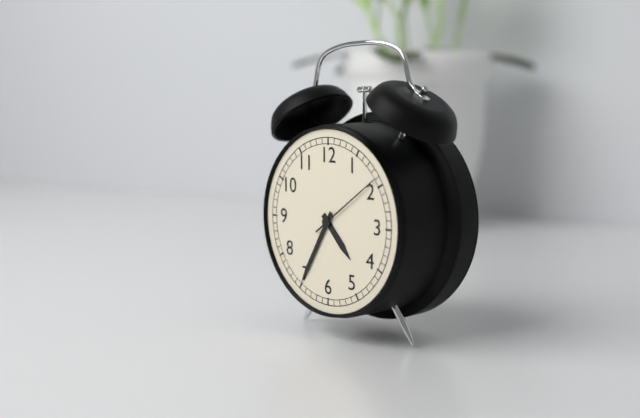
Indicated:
4,35,09
